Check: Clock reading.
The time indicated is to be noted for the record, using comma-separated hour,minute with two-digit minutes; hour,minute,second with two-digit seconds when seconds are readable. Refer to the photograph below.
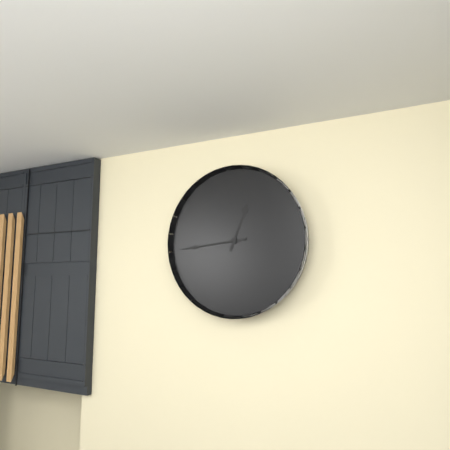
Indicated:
12,44
